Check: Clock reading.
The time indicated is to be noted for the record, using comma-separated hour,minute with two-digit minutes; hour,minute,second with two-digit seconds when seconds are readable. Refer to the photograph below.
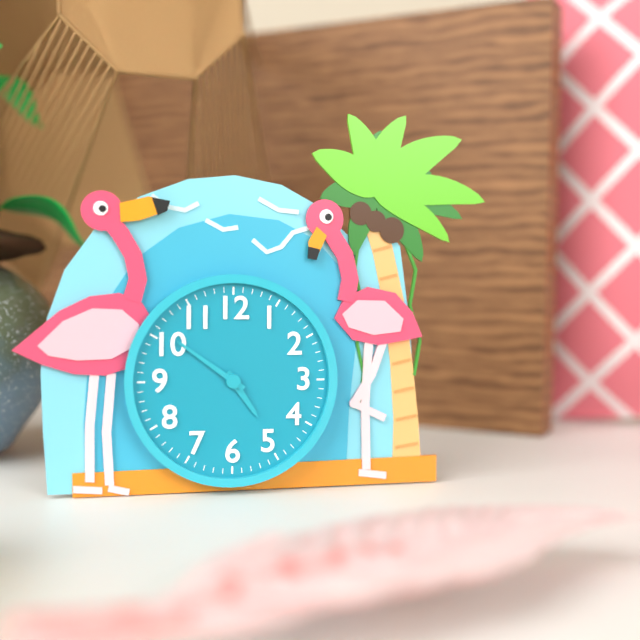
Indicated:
4,51
